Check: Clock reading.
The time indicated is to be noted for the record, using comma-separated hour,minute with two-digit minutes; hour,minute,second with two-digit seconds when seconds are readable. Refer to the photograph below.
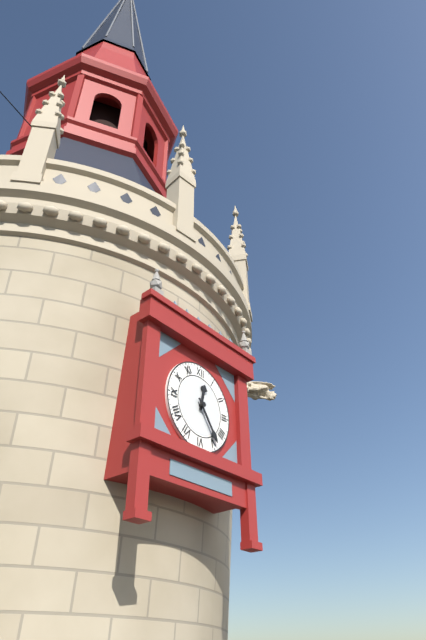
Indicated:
12,24
